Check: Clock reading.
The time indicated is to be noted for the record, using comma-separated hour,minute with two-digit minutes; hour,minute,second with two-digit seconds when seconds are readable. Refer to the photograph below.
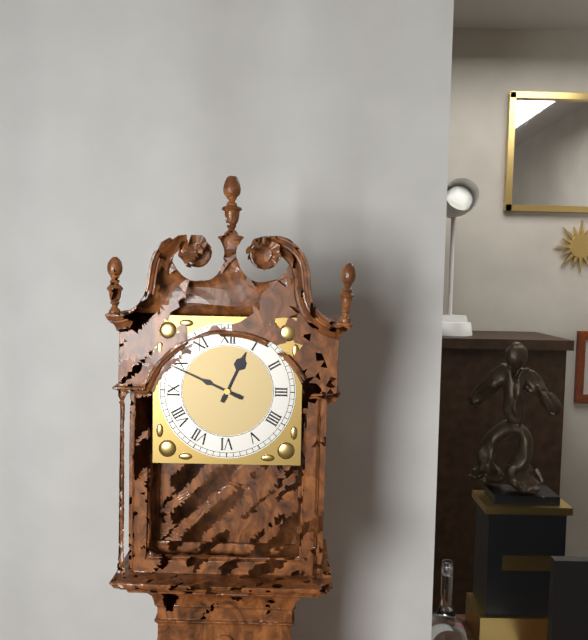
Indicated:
12,49
